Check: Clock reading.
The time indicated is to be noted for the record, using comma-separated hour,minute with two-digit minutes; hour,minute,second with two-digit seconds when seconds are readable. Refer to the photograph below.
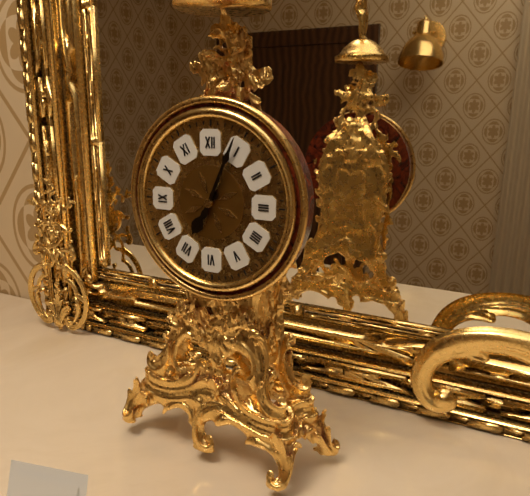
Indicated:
7,04
